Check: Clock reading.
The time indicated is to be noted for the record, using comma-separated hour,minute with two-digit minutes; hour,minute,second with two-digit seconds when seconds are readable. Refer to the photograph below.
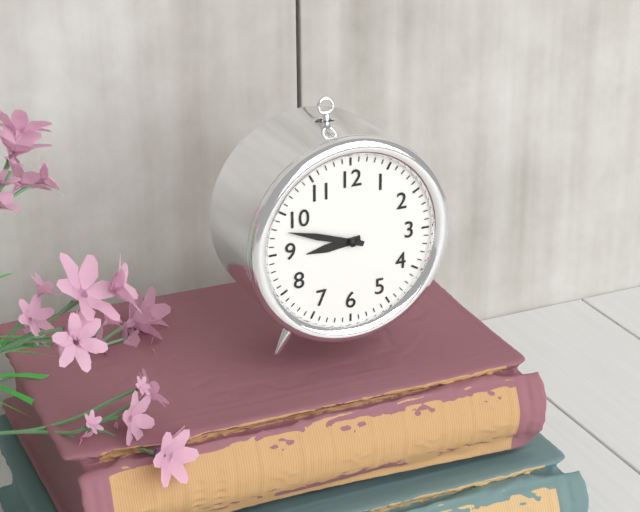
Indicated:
8,48
